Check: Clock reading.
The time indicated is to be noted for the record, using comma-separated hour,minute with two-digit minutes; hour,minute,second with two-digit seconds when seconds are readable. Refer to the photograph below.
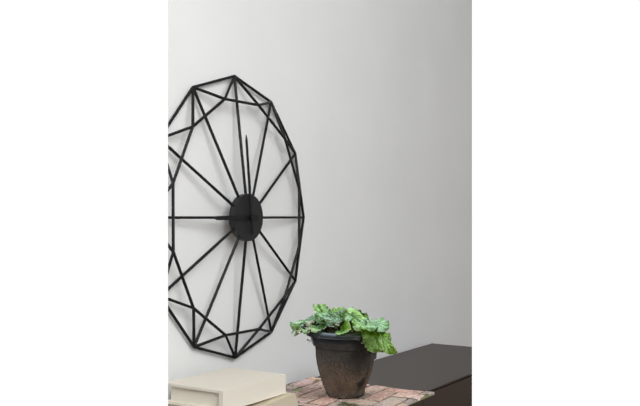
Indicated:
8,59
